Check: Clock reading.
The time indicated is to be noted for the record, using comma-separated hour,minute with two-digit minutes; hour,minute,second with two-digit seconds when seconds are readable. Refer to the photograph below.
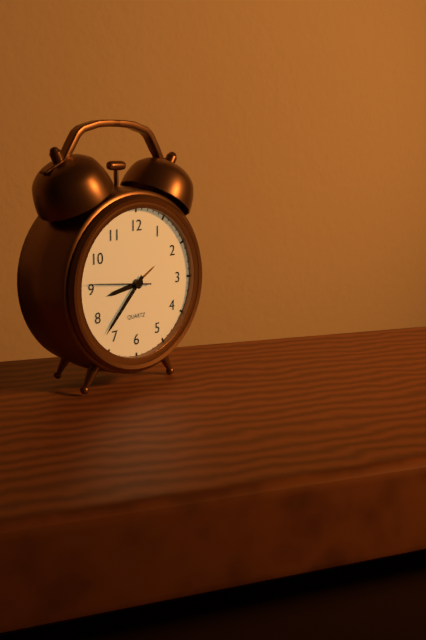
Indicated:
8,37,46
